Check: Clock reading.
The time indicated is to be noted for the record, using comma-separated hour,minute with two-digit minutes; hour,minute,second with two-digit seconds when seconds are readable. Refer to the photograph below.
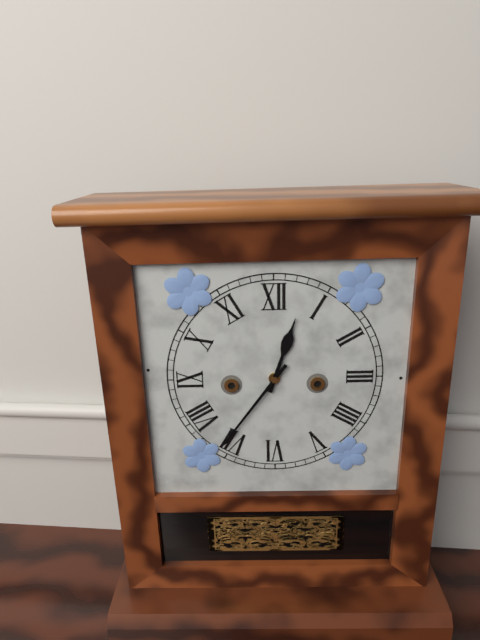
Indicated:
12,36
